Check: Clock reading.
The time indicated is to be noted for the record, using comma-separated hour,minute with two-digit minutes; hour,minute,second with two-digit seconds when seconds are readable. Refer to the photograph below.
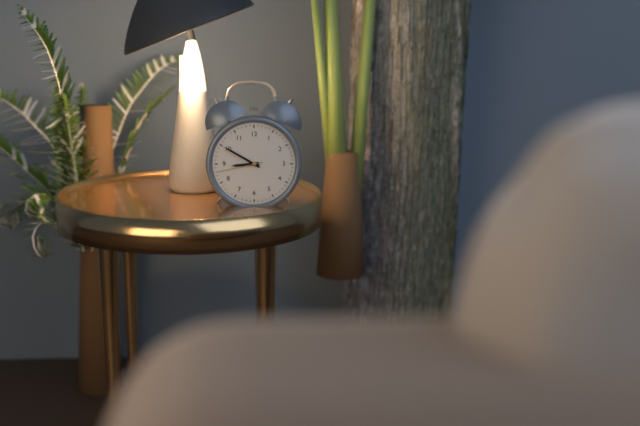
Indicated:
8,50
